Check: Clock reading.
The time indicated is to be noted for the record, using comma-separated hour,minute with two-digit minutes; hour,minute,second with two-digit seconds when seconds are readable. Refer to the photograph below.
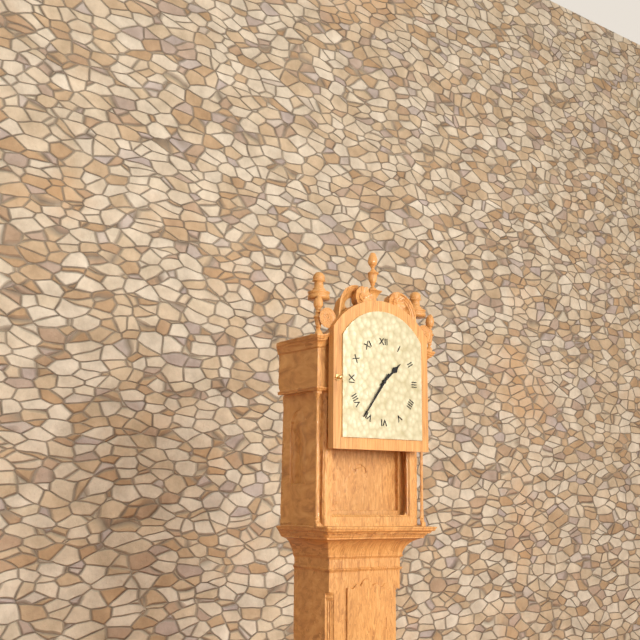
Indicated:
1,36
